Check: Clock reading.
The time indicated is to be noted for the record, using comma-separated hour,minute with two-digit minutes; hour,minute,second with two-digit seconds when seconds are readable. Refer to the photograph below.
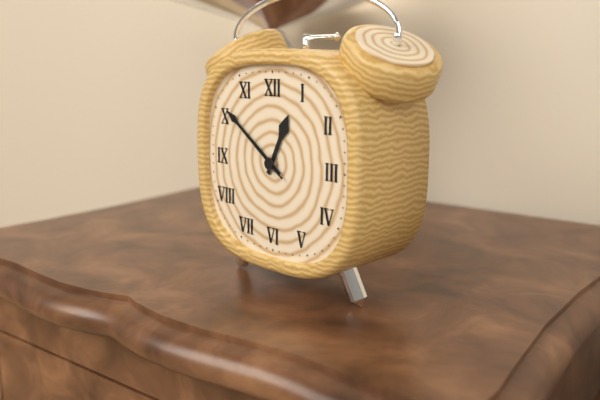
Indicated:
12,51,51
